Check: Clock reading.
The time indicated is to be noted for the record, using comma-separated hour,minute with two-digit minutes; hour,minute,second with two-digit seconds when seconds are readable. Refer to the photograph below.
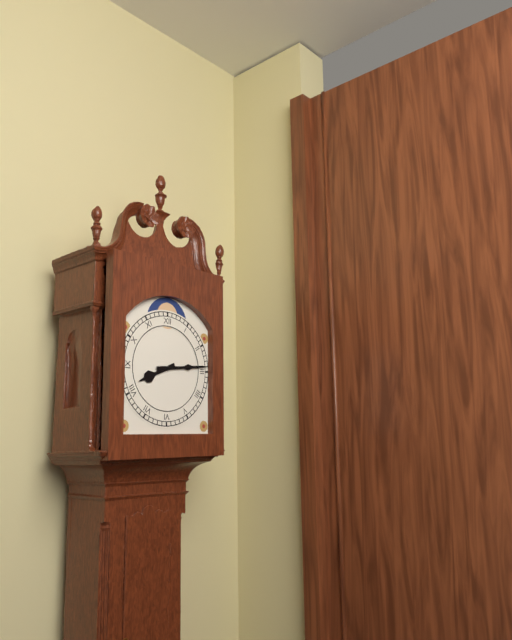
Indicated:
8,14
